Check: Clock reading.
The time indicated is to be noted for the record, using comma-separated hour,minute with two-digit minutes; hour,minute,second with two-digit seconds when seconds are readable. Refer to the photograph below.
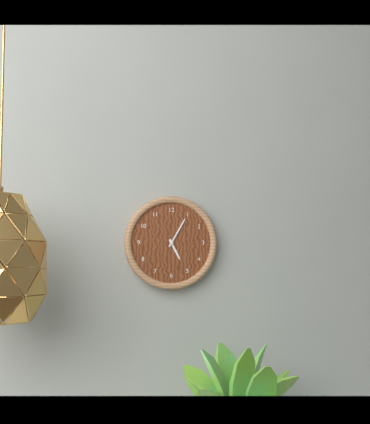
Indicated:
5,05
